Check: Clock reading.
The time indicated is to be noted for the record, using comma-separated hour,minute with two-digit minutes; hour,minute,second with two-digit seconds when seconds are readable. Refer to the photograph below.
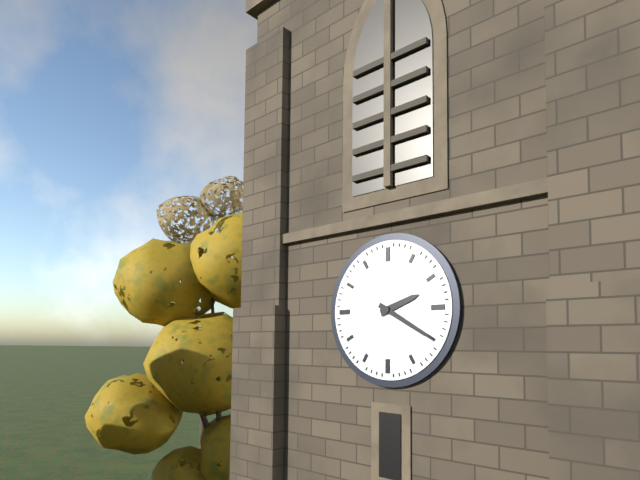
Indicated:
2,20
